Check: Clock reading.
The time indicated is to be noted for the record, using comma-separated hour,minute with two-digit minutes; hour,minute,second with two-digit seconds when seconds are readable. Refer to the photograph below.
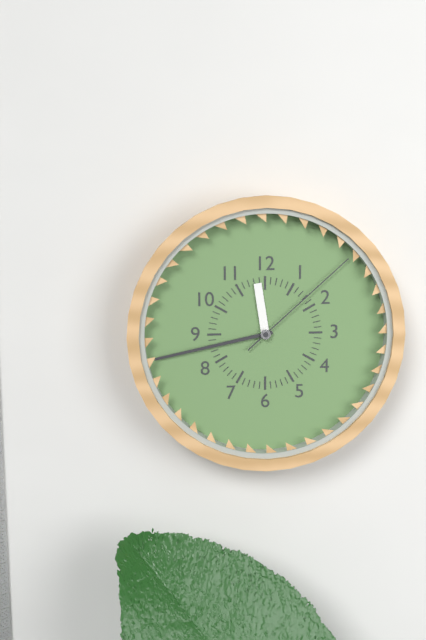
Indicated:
11,43,08
